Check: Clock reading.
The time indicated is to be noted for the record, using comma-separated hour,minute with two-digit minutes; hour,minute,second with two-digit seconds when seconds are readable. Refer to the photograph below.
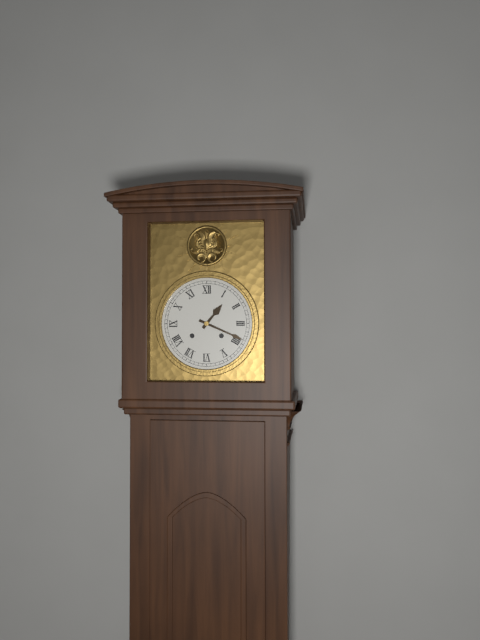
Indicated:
1,19
